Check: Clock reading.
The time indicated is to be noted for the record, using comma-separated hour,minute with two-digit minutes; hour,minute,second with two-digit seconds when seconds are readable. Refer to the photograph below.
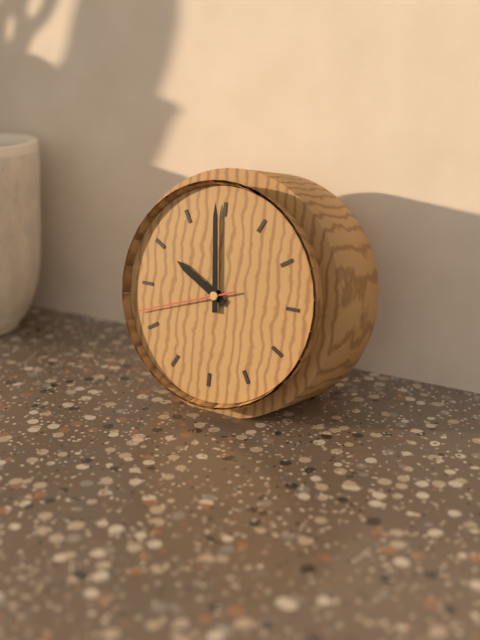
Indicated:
9,59,42
